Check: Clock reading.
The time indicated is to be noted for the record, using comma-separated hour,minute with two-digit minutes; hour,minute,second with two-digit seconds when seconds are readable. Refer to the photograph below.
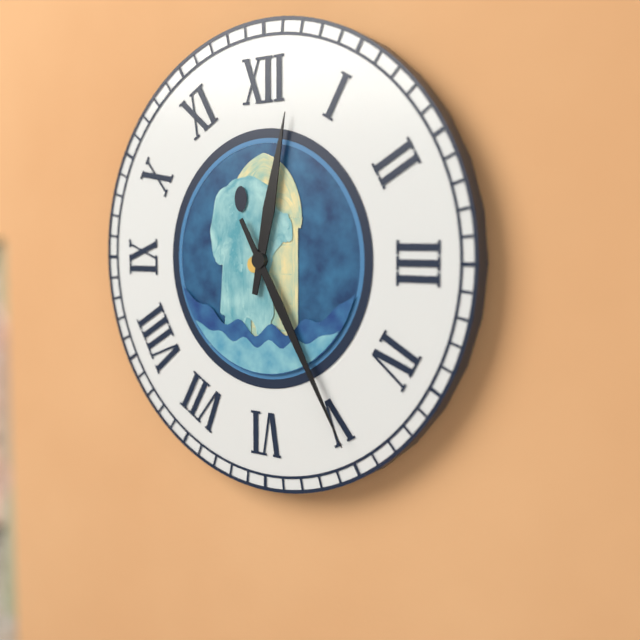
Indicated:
12,25
